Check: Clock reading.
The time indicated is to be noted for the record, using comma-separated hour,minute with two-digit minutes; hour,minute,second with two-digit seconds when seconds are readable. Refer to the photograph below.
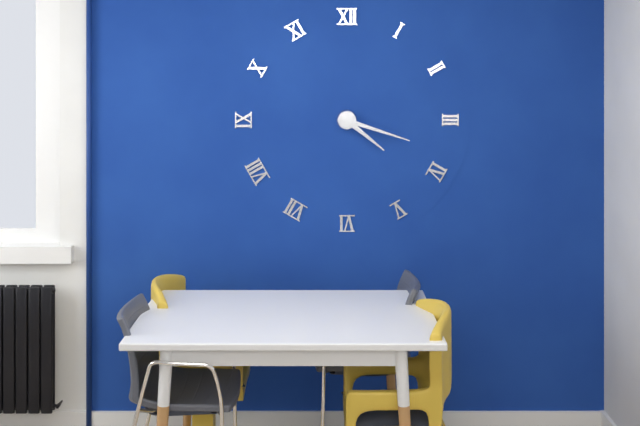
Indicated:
4,18
